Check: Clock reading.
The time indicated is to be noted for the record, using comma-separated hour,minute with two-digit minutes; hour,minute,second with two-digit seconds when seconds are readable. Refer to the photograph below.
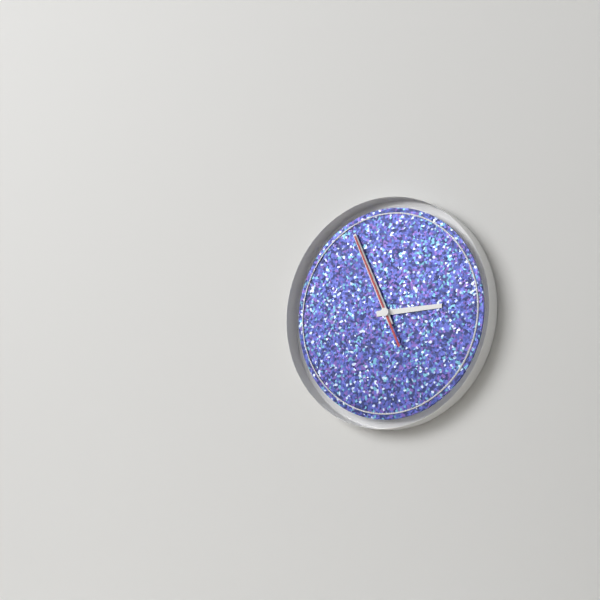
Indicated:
2,56,56
